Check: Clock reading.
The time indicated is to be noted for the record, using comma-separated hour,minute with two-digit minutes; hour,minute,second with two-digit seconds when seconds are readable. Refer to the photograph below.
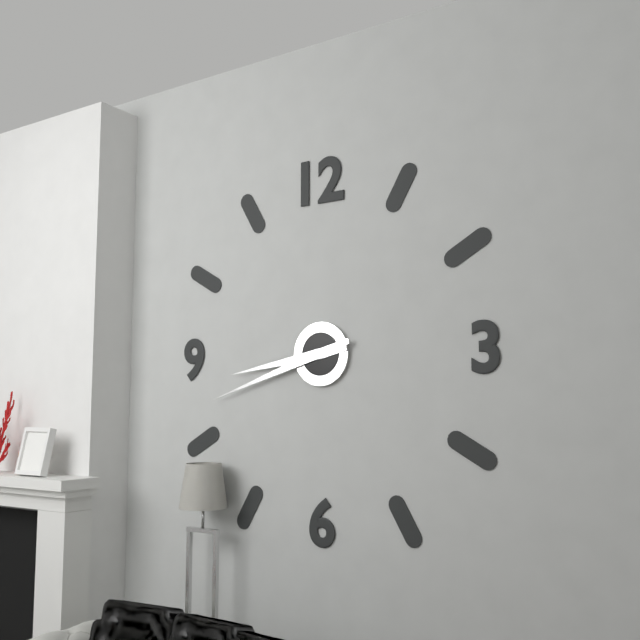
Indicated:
8,42
